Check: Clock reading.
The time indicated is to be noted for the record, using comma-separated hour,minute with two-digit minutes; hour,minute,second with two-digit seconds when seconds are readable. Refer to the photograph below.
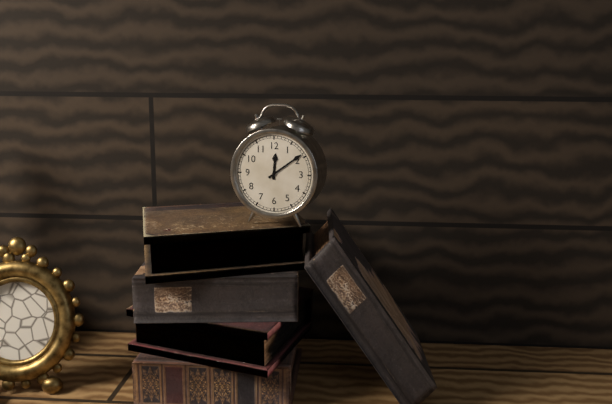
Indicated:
12,09
